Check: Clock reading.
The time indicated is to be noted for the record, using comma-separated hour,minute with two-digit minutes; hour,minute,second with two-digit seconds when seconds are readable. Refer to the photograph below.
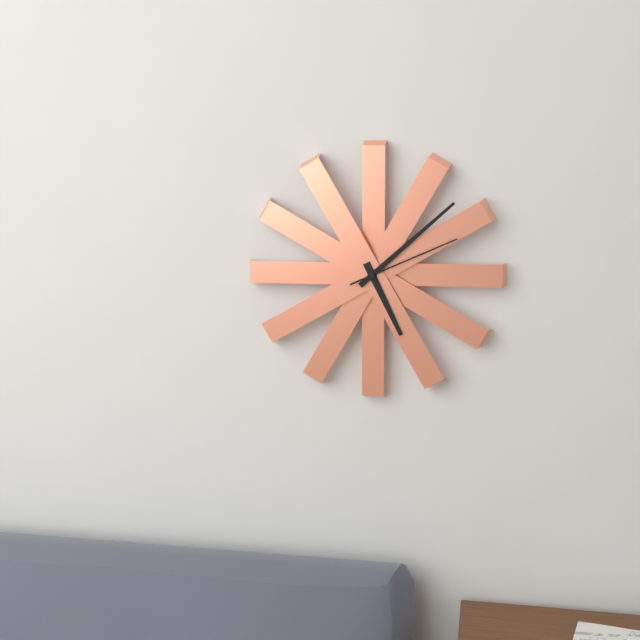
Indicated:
5,08,11
